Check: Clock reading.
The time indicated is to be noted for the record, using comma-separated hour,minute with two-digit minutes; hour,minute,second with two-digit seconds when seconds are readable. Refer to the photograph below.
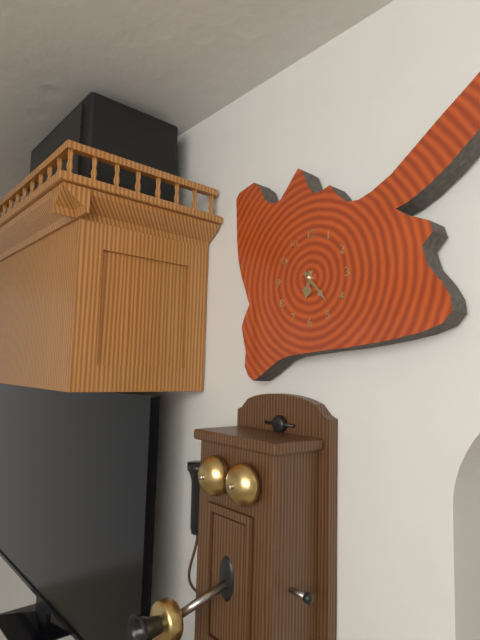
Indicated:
6,23
